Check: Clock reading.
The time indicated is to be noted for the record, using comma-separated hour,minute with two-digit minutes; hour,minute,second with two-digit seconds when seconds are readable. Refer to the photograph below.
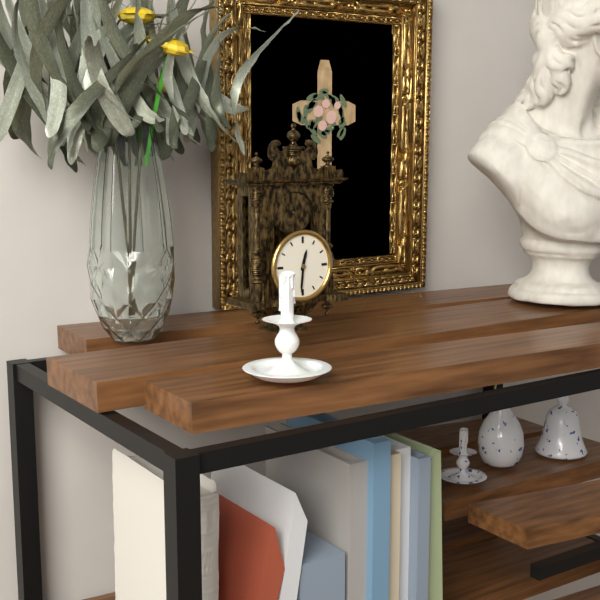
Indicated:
12,31
